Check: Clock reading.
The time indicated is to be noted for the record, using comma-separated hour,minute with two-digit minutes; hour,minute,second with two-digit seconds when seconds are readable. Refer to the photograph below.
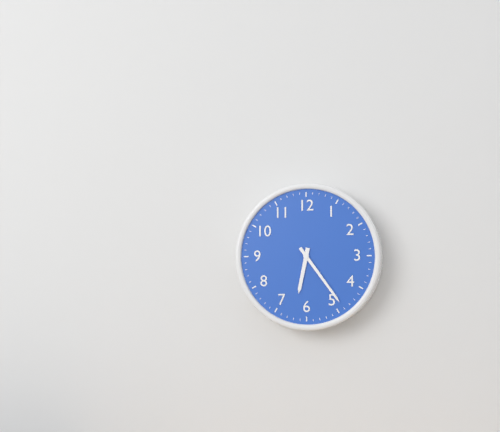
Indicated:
6,24
